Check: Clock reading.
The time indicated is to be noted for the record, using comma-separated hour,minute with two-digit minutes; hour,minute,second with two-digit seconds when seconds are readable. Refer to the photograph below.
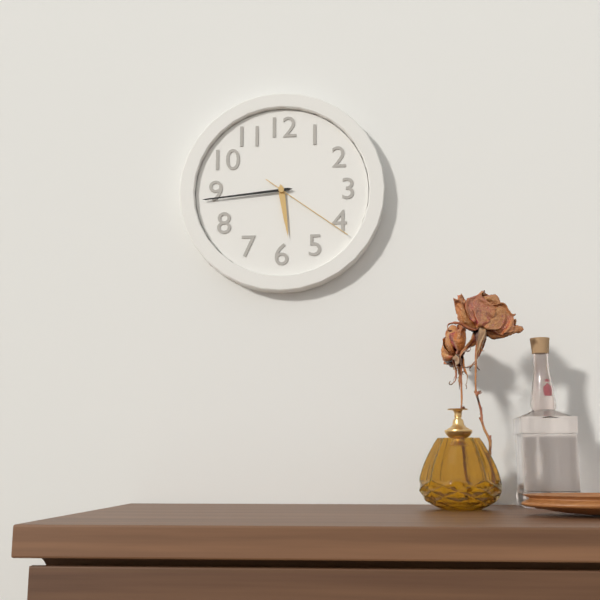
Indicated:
5,44,21
